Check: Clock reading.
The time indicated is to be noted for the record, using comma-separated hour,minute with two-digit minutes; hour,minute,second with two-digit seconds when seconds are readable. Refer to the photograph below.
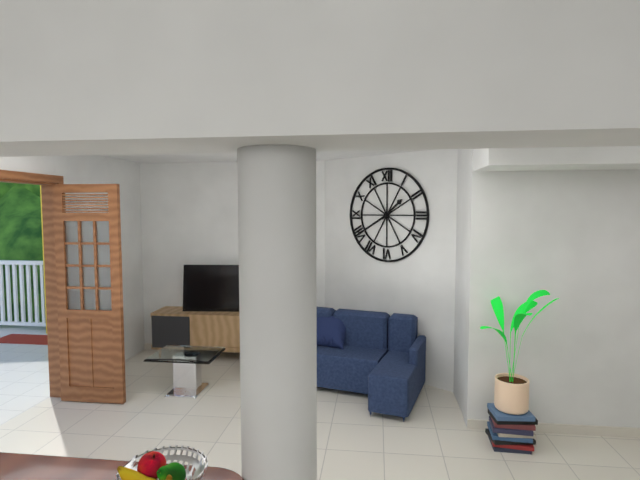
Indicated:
1,40
